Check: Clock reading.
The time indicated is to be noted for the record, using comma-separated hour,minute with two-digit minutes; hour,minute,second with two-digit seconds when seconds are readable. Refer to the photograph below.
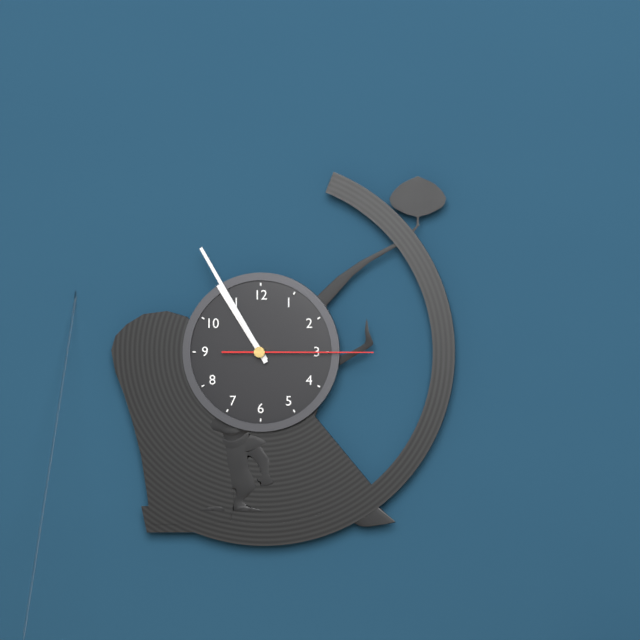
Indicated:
10,55,15
